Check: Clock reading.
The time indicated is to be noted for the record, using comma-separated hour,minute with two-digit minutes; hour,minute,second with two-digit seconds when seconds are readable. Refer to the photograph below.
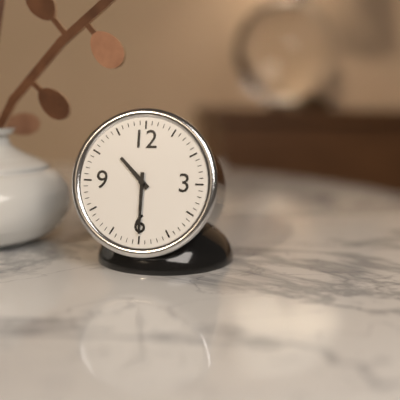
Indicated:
10,30
